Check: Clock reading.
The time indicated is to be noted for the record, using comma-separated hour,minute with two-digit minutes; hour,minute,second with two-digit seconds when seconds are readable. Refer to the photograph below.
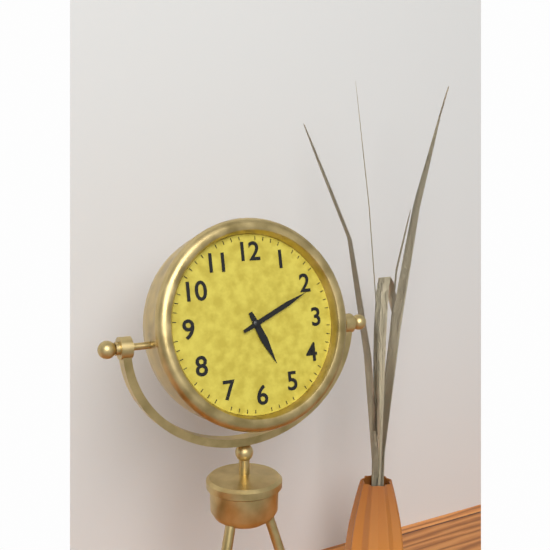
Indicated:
5,11
